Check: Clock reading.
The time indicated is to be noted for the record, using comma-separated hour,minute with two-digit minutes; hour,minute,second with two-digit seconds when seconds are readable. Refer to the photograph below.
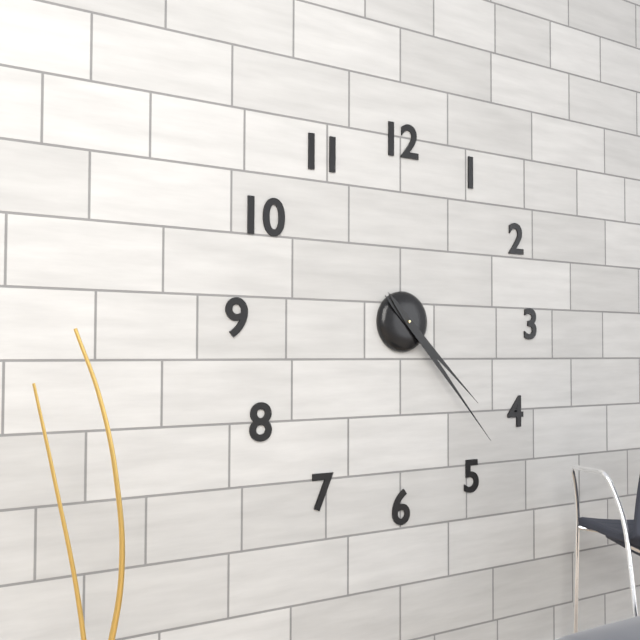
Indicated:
4,23
